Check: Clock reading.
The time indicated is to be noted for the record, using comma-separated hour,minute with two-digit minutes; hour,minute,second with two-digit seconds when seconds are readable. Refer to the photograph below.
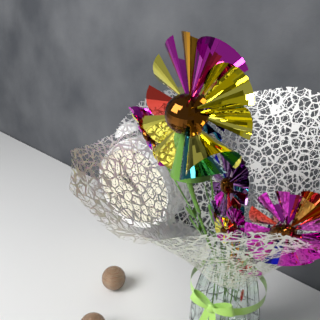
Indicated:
9,54
